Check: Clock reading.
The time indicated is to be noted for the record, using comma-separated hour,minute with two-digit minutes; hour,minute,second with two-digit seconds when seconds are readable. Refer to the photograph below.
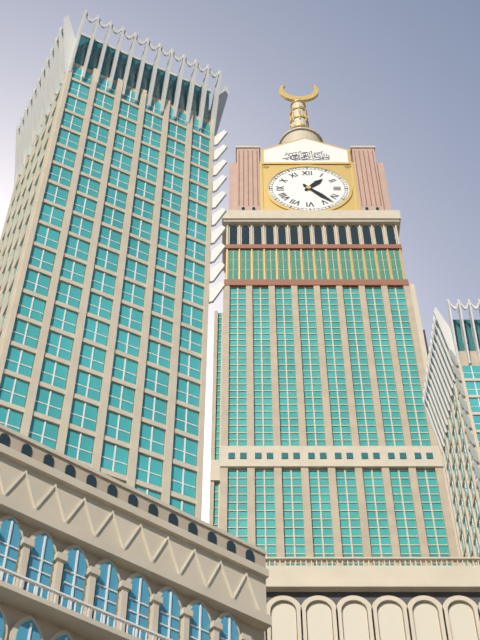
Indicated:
1,23
